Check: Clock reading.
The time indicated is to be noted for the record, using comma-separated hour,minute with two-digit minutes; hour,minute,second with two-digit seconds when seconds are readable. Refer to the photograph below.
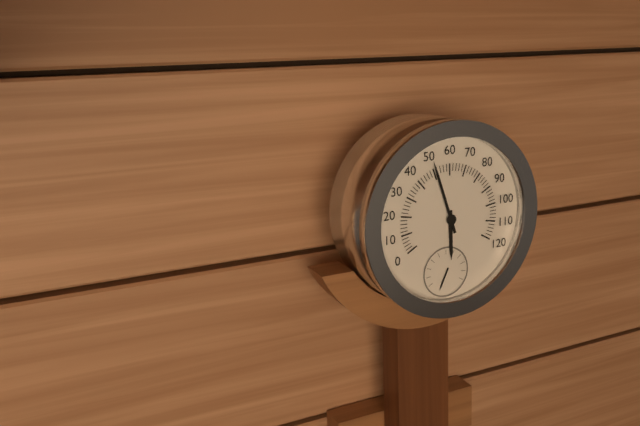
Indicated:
5,57
